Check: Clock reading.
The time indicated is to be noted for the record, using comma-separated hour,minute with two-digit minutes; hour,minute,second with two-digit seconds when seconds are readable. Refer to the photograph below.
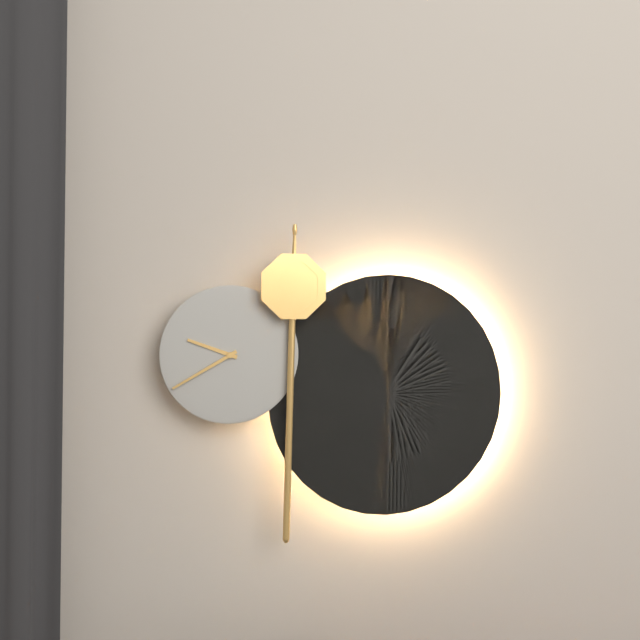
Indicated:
9,40
